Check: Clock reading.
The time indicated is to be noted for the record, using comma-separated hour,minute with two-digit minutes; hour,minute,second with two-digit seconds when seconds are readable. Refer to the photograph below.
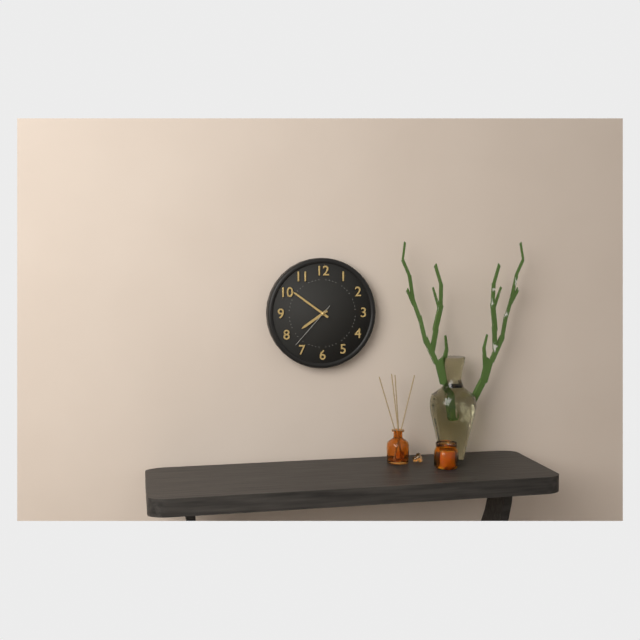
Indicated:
7,51,37
